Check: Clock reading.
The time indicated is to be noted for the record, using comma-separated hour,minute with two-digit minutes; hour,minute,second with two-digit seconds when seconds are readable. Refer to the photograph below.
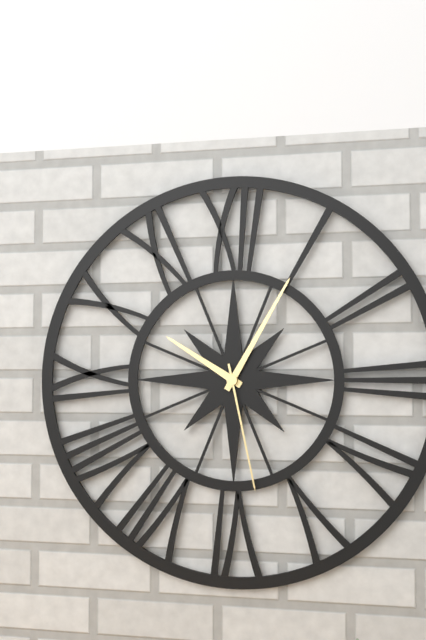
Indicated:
10,05,28
